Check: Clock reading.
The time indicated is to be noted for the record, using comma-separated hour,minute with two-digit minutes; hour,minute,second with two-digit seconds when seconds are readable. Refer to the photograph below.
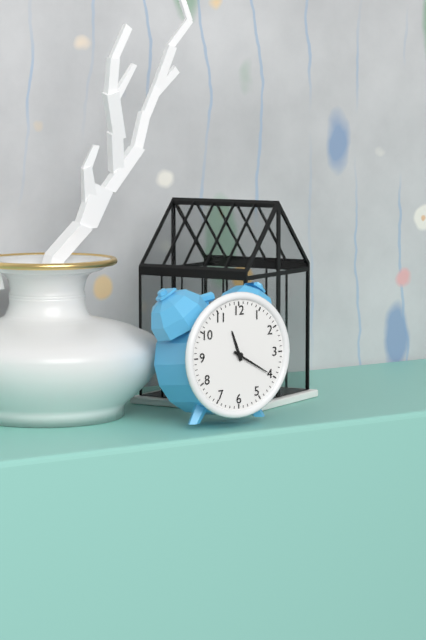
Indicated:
11,20
